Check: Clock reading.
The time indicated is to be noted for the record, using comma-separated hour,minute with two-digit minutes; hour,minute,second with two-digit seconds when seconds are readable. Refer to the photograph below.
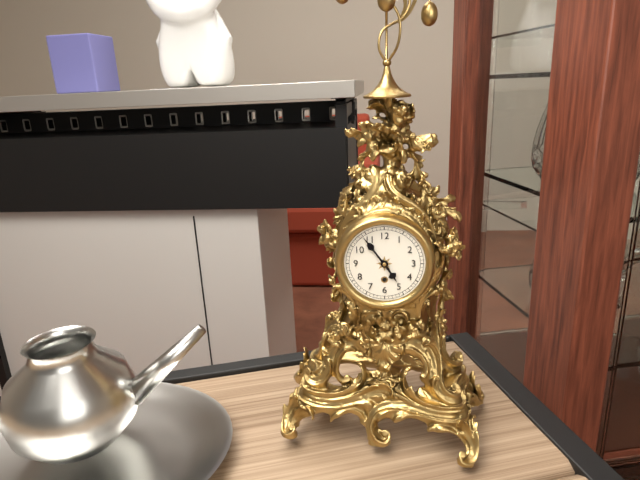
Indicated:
4,54
